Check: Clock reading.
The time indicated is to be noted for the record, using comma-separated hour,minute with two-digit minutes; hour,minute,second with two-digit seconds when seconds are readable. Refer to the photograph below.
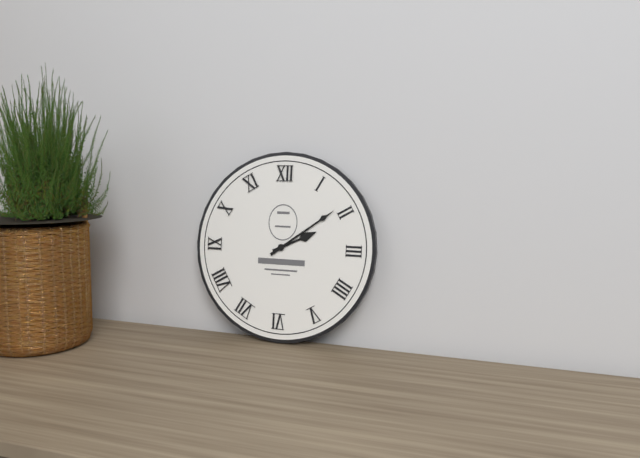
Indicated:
2,09
